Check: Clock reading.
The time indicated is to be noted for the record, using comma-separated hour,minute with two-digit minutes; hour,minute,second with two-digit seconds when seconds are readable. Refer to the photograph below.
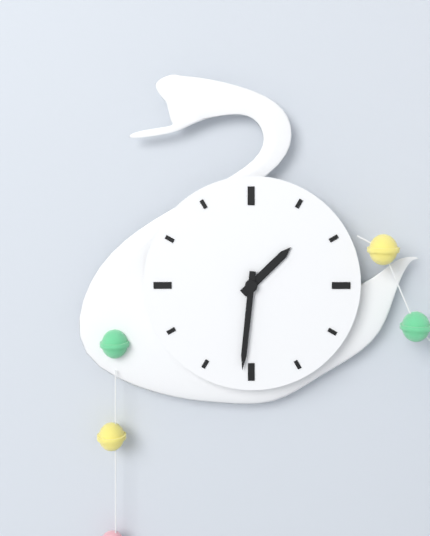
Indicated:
1,31
